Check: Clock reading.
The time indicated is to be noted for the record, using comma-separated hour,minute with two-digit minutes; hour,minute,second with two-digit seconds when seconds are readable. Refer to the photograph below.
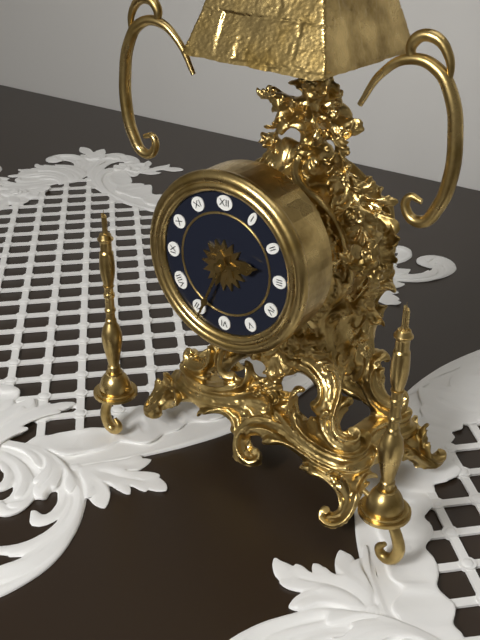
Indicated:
2,34
